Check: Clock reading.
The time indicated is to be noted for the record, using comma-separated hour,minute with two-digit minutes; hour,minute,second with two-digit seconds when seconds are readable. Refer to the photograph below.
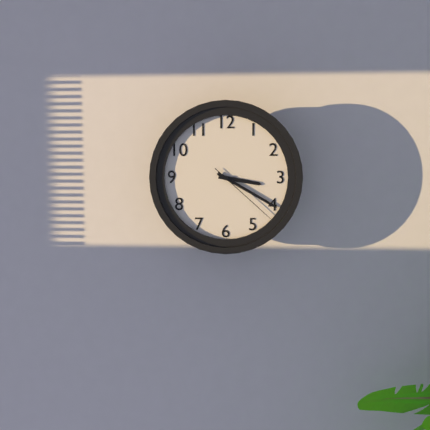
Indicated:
3,20,22
